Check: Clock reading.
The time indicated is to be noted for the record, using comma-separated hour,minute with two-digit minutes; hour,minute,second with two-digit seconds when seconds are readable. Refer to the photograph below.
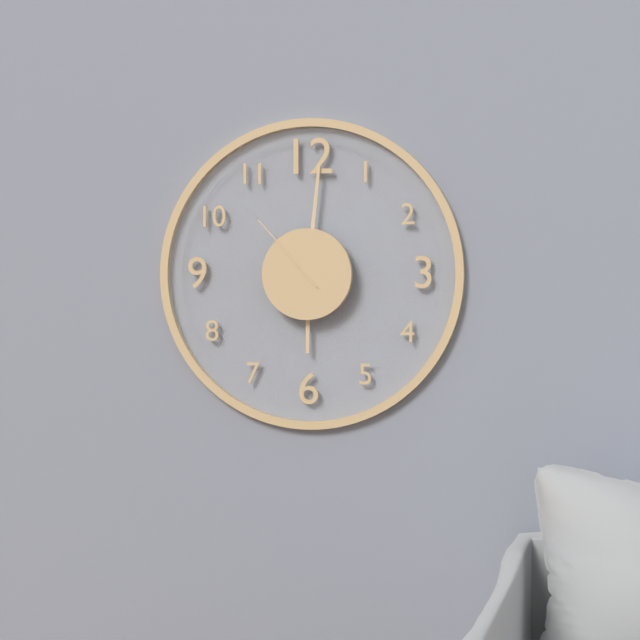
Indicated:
6,01,53
